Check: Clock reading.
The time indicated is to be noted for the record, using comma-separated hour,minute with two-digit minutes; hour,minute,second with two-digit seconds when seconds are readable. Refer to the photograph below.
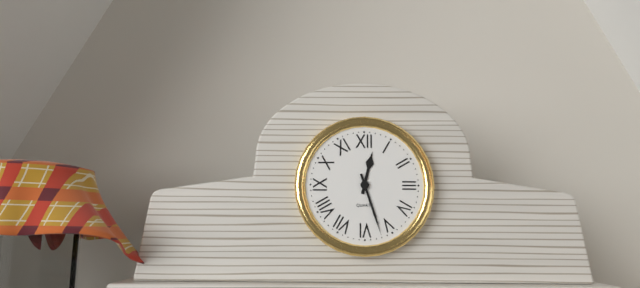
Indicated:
12,27
